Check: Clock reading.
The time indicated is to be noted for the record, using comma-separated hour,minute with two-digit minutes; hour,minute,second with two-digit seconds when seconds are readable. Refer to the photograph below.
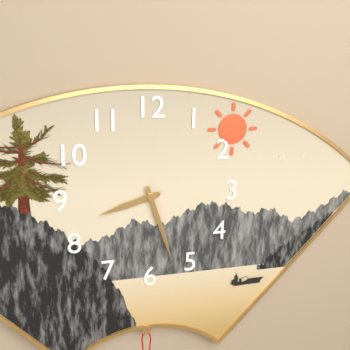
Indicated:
8,27
